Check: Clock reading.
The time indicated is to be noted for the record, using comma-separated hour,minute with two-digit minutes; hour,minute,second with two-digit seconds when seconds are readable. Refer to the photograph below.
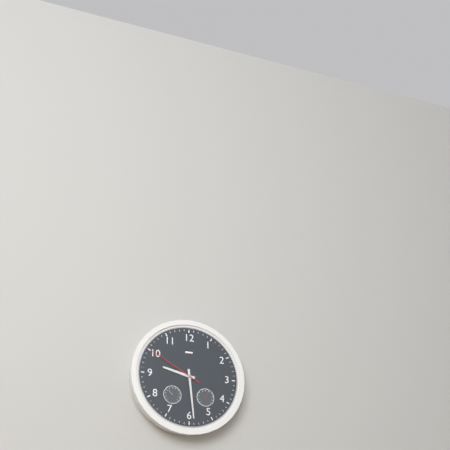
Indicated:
9,29,50
